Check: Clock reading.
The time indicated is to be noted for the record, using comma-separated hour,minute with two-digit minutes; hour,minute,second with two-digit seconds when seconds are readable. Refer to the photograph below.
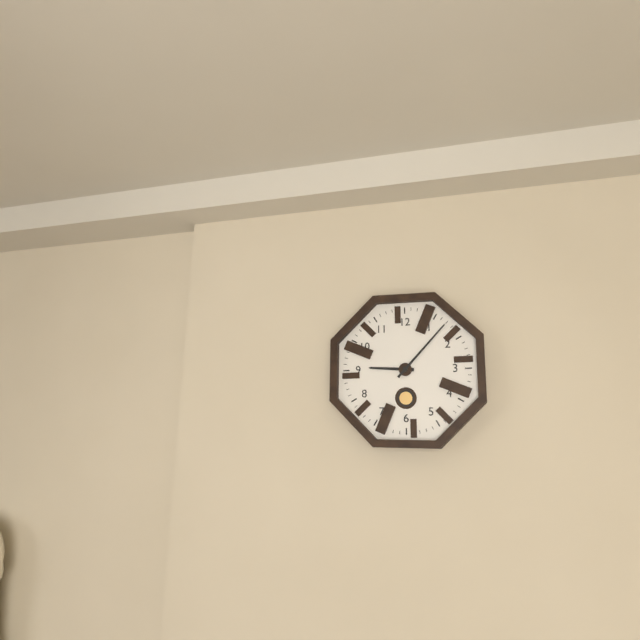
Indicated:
9,07
